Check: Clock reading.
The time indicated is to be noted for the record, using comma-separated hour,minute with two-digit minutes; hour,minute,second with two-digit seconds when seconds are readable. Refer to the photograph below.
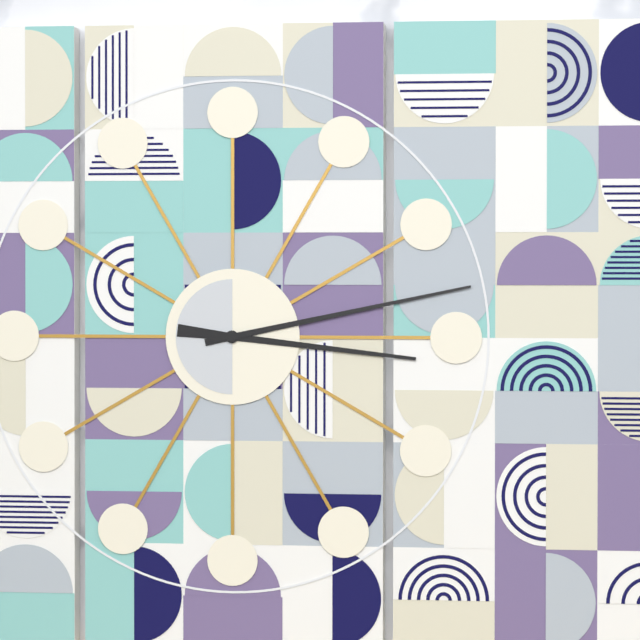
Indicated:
3,13
